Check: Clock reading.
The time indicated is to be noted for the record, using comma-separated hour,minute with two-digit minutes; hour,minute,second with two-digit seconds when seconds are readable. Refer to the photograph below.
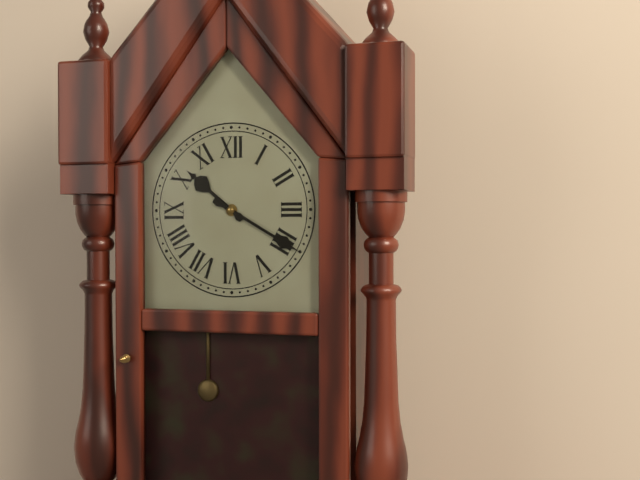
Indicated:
10,20
